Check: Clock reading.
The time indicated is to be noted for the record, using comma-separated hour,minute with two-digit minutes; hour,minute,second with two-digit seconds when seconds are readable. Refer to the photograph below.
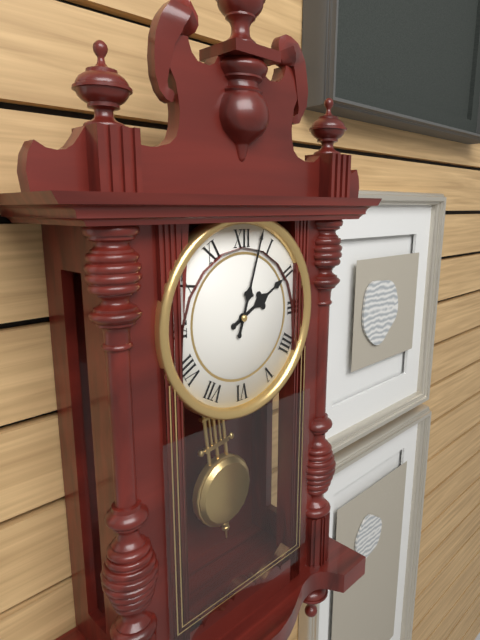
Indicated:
2,03
